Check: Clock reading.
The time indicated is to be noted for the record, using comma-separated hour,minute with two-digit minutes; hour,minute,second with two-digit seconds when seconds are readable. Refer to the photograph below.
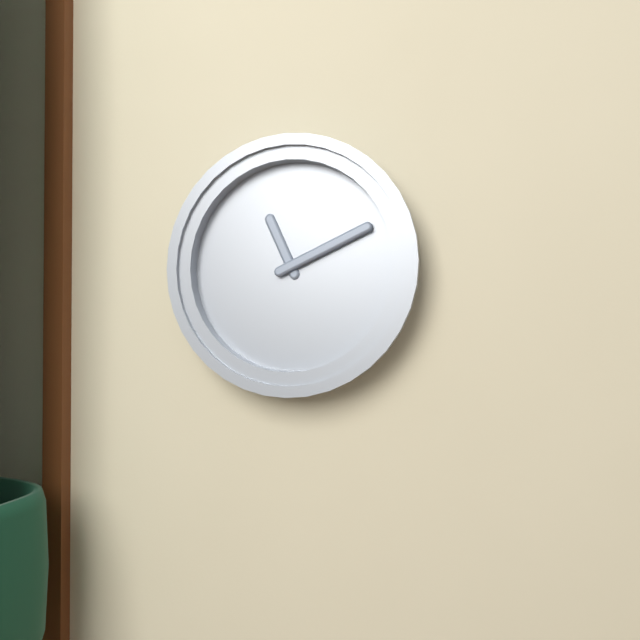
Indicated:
11,11
